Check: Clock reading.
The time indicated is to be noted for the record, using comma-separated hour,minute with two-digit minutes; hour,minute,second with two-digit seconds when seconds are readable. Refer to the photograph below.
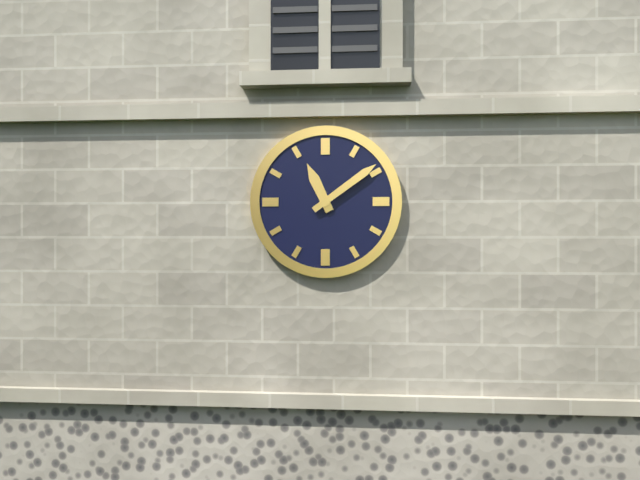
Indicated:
11,09
